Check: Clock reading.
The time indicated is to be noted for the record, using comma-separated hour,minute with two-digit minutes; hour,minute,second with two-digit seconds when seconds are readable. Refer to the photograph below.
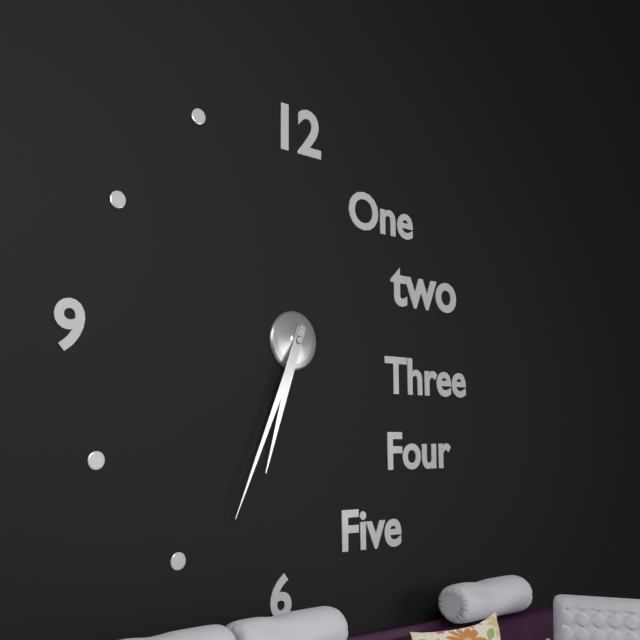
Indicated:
6,34
